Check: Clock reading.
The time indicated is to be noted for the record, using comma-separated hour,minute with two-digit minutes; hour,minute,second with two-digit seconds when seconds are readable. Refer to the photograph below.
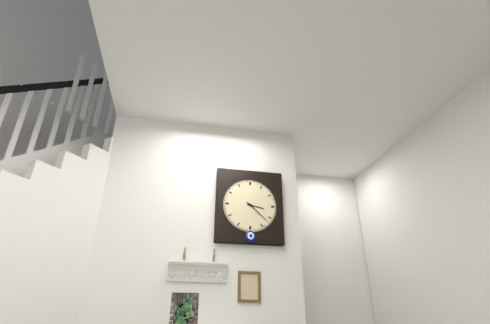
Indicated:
3,22
